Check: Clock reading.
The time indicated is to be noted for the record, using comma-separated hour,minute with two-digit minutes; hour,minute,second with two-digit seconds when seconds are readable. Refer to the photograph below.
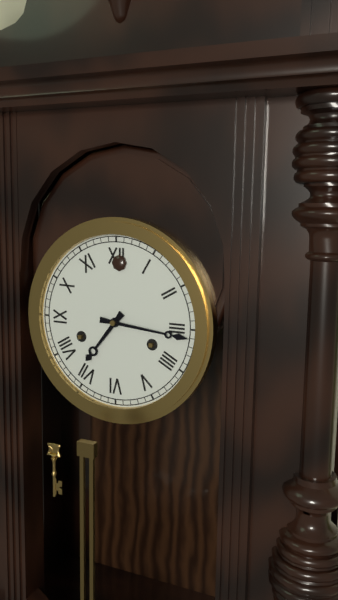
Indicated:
7,16
